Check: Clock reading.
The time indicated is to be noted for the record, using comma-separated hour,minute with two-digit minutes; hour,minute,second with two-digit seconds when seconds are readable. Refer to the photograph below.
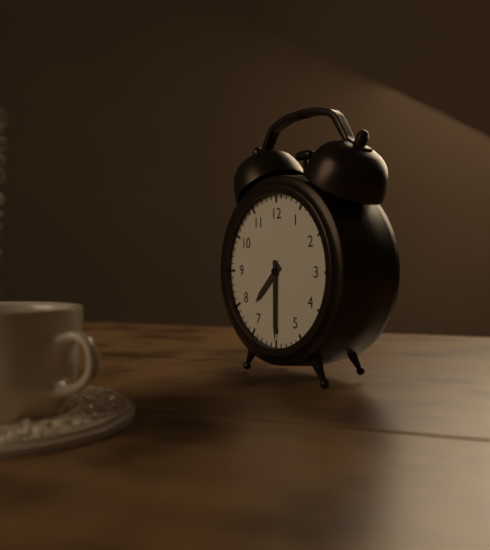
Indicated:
7,30
